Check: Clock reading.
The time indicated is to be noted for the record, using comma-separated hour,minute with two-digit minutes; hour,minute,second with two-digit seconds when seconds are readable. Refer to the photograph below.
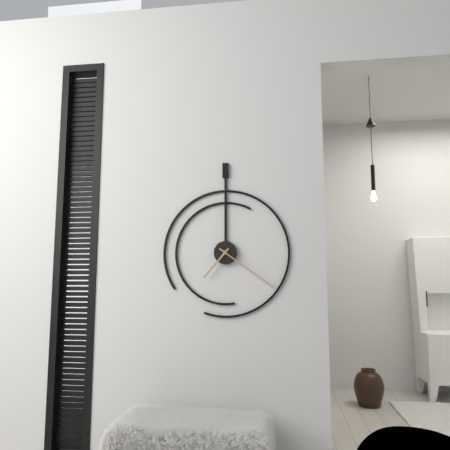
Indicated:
7,21
